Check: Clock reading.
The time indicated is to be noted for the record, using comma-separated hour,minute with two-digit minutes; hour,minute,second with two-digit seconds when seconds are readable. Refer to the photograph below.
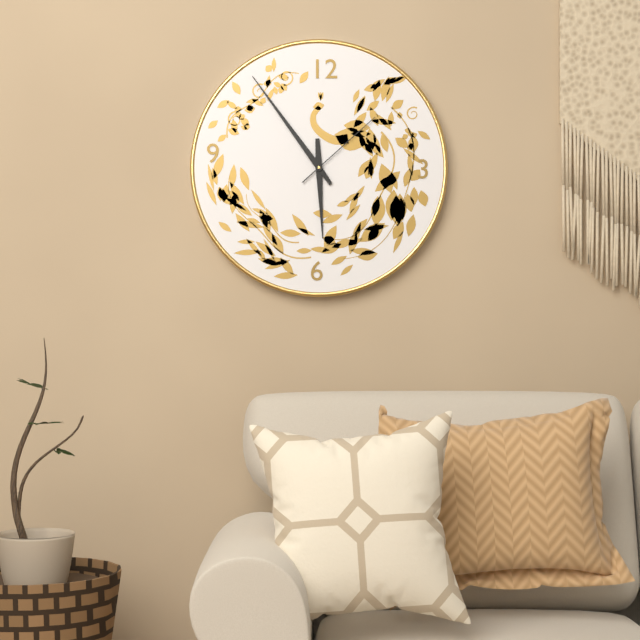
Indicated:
5,54,08
